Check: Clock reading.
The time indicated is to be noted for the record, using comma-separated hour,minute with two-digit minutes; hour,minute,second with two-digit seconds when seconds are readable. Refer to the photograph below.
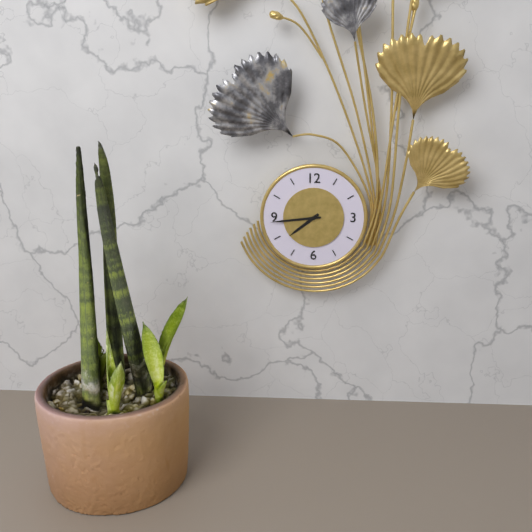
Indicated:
7,44
